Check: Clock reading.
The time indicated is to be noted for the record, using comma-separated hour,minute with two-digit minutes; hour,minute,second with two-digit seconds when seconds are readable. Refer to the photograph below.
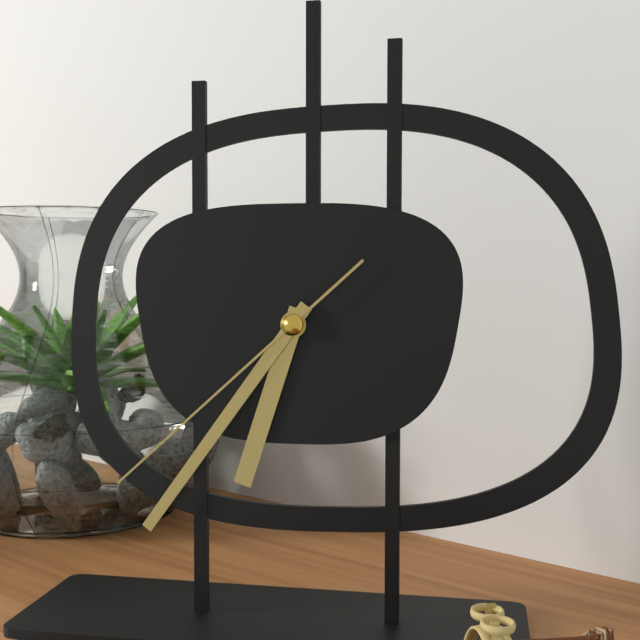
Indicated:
6,36,38
